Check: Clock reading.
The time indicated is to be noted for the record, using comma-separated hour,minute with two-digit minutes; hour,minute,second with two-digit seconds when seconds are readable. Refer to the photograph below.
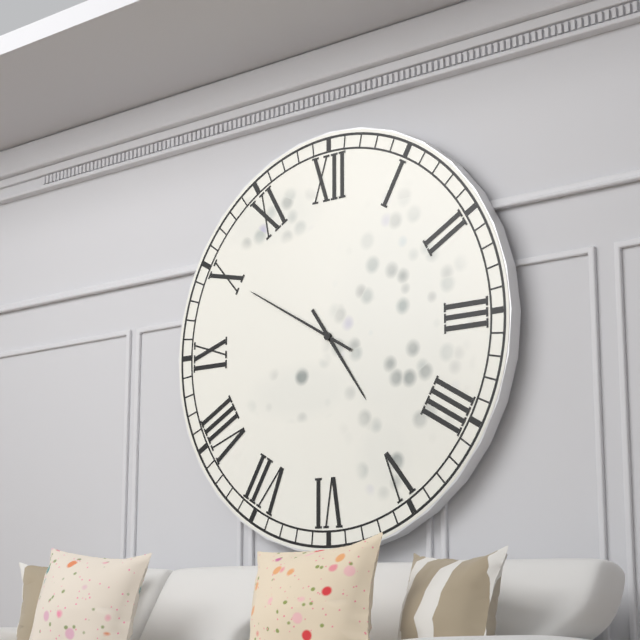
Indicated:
4,50
